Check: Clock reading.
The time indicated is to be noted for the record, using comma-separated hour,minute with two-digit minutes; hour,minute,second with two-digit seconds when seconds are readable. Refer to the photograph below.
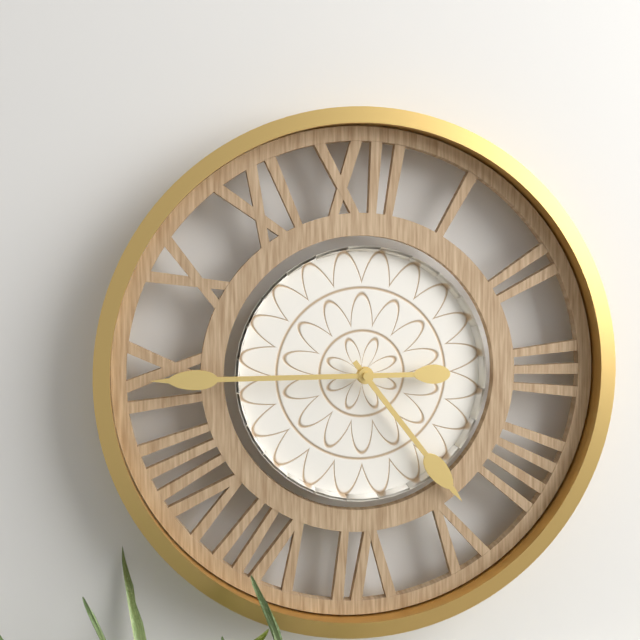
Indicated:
4,45
